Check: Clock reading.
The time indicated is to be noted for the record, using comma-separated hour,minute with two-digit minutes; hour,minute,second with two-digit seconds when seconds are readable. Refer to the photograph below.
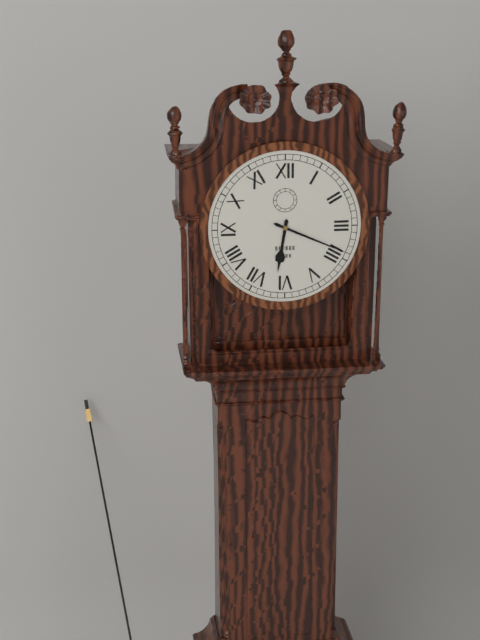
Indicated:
6,19
